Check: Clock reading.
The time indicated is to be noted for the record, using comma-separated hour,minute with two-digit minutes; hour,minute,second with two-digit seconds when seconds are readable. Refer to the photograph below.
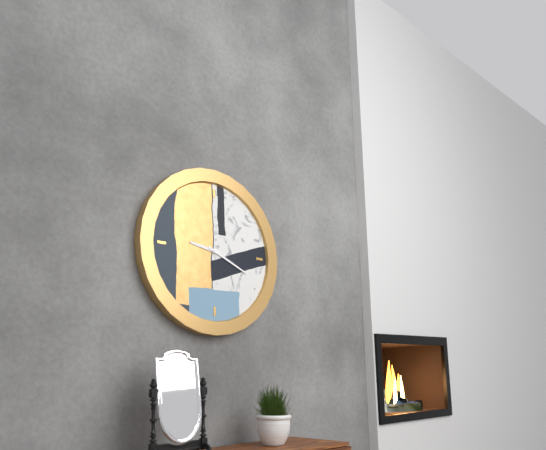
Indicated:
9,19
